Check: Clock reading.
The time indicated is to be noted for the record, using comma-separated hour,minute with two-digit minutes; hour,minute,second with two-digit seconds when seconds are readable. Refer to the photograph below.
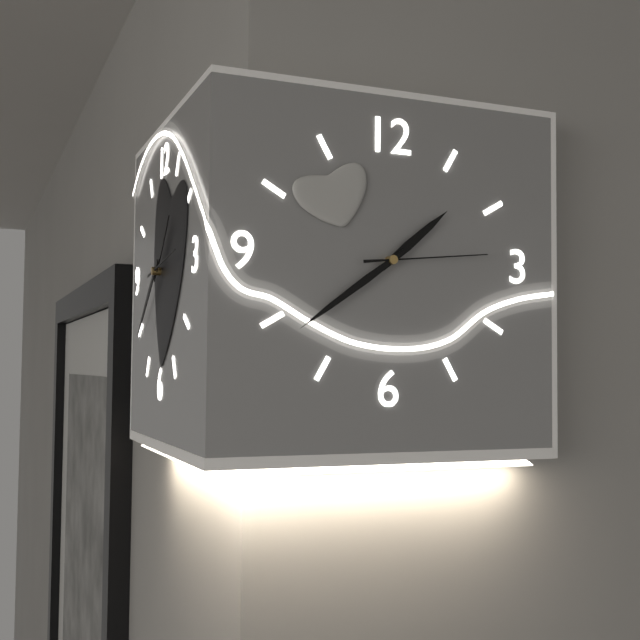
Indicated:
1,39,14
